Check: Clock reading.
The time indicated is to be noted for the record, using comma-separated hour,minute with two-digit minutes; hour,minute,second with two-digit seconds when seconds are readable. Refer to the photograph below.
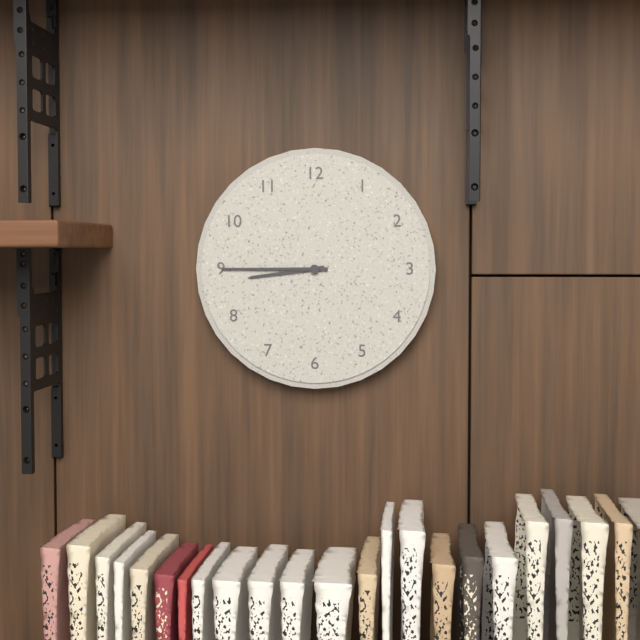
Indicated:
8,45
